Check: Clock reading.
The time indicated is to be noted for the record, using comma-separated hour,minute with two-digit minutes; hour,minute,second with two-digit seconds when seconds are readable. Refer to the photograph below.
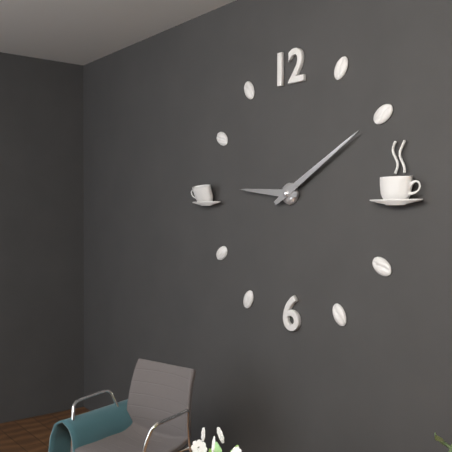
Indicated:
9,10
